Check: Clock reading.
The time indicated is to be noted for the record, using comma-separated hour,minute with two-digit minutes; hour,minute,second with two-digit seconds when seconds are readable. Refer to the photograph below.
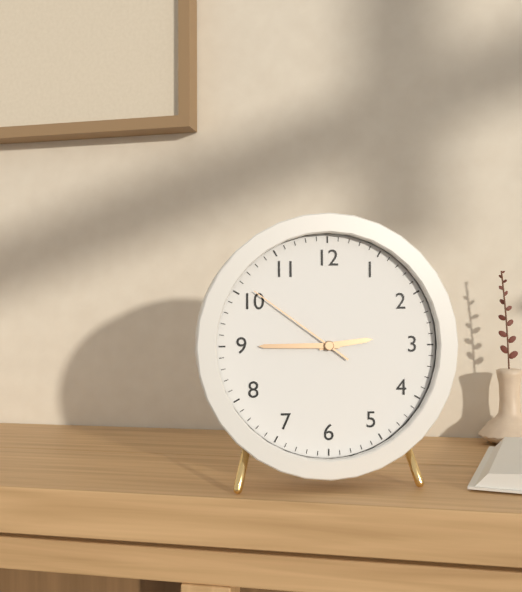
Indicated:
2,45,51
